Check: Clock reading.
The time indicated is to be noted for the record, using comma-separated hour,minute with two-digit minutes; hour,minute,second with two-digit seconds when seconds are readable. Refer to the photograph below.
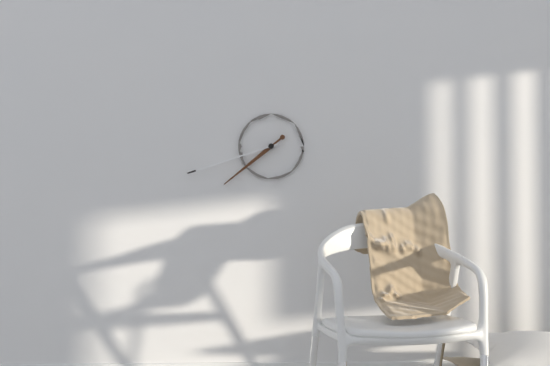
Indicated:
7,42
